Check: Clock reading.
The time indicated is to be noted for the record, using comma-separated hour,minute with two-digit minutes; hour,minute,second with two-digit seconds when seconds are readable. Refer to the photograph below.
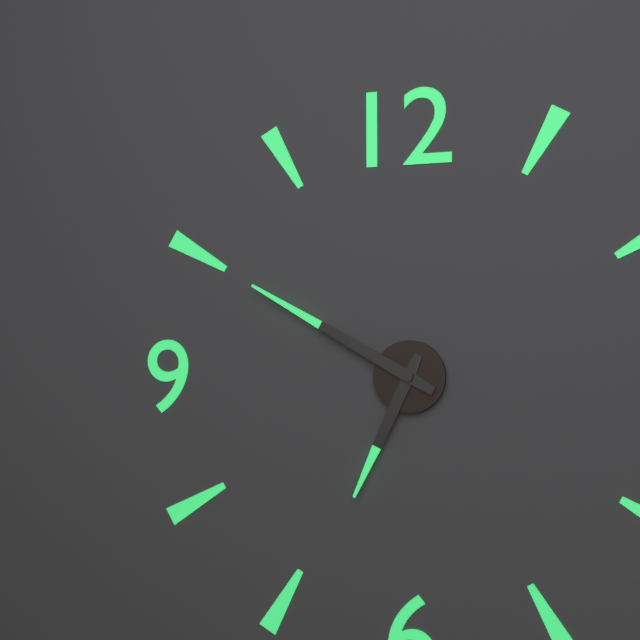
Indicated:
6,50
